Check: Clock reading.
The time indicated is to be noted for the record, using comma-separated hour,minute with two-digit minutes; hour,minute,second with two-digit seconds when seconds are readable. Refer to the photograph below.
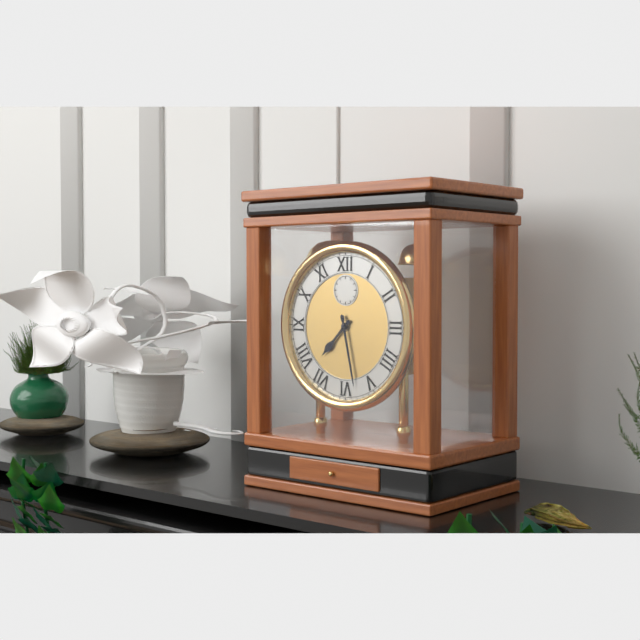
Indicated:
7,28
